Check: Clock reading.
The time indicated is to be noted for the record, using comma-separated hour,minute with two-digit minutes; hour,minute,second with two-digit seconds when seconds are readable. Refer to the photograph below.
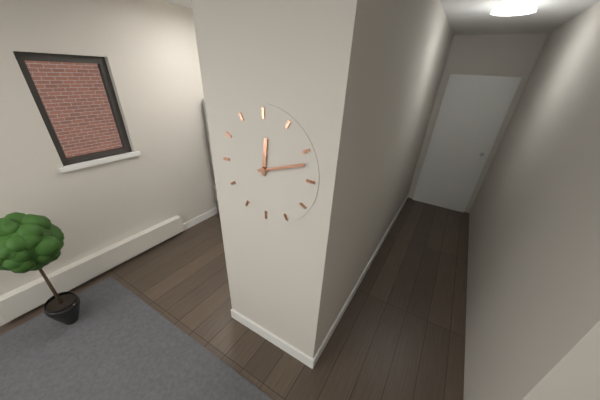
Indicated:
12,12
